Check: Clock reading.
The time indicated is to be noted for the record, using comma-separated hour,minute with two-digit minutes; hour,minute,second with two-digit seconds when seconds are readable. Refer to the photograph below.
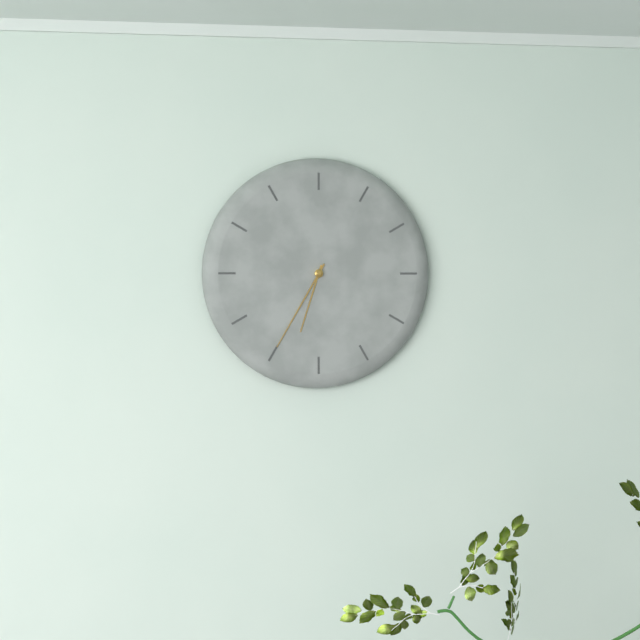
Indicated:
6,35
